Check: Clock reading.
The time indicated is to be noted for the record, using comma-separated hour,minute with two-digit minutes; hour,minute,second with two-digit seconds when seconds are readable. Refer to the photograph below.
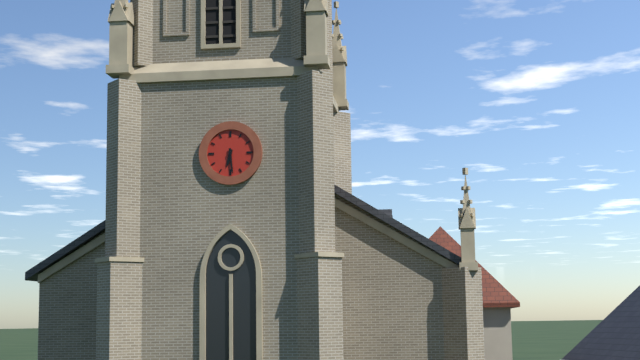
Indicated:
6,29
